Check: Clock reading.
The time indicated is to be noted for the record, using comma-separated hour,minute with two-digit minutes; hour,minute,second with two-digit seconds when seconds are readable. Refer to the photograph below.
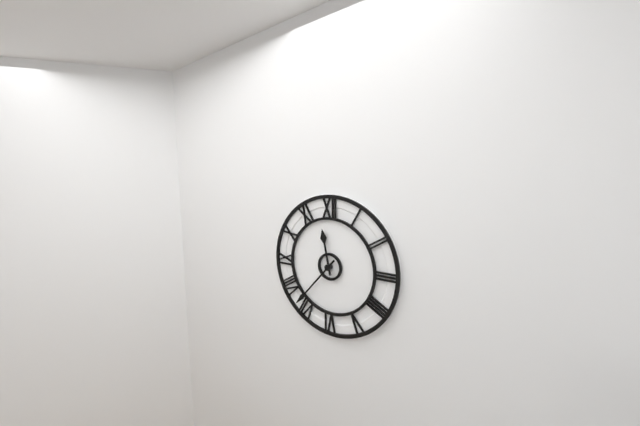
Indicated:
11,37
